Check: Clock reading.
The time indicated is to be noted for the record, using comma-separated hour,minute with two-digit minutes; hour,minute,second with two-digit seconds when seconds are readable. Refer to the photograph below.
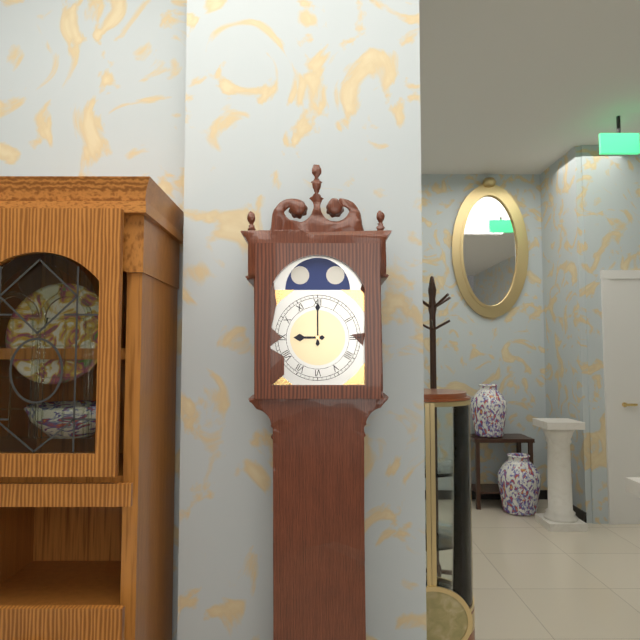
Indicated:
9,00
